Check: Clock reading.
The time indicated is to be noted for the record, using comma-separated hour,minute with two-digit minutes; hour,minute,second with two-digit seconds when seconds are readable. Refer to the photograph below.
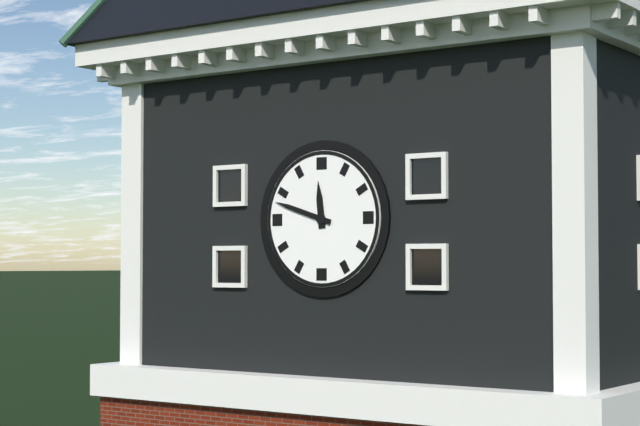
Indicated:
11,48
